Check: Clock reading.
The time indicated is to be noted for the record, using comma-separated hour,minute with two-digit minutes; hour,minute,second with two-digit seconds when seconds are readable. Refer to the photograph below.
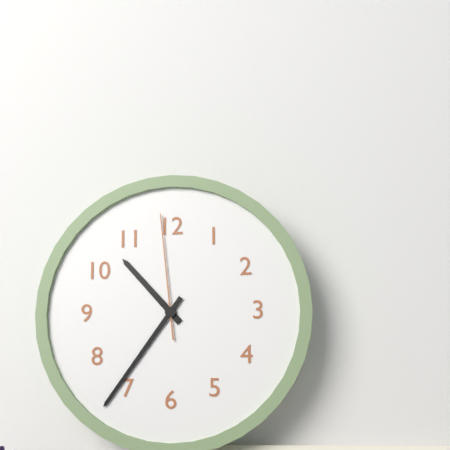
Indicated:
10,36,59
